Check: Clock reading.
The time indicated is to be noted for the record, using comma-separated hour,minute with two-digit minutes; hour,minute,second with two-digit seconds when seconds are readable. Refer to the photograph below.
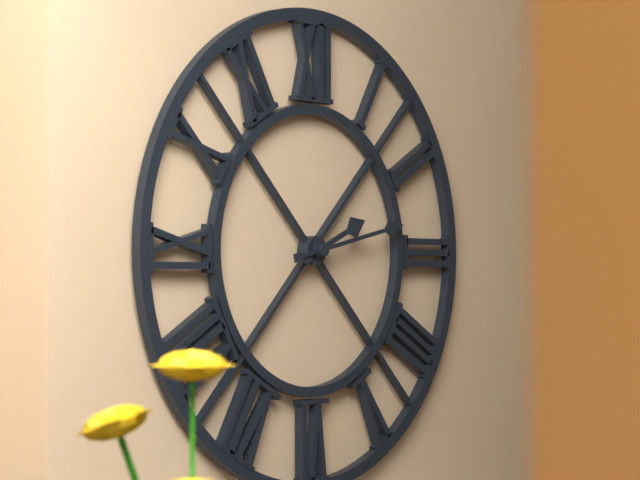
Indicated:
2,13
